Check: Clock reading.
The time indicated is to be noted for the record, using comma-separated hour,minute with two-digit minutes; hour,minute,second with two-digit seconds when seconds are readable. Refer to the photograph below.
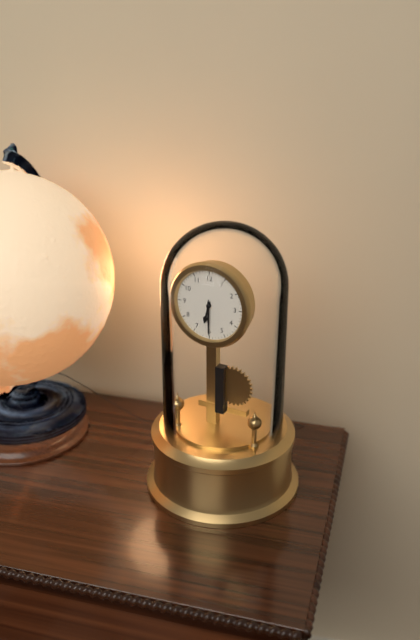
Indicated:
6,30
